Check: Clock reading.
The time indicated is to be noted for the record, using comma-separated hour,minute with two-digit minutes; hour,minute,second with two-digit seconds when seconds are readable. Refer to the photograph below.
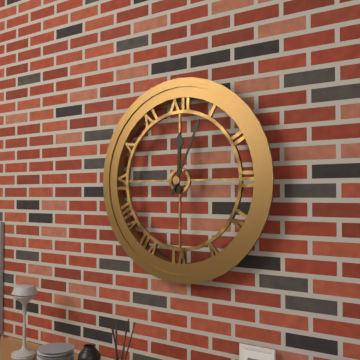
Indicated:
12,04
